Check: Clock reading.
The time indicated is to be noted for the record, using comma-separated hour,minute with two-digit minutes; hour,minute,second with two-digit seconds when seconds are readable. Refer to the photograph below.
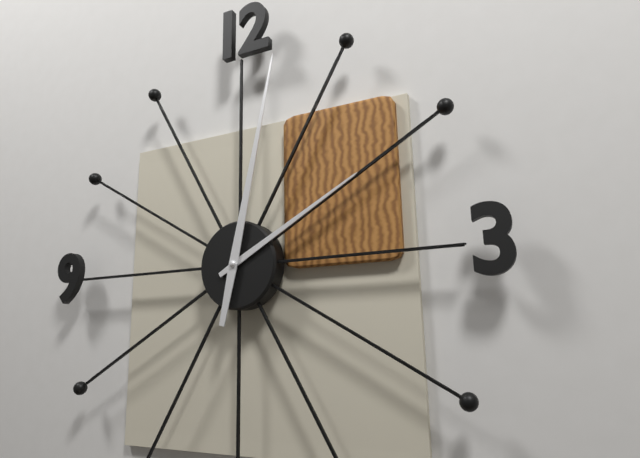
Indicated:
2,02
